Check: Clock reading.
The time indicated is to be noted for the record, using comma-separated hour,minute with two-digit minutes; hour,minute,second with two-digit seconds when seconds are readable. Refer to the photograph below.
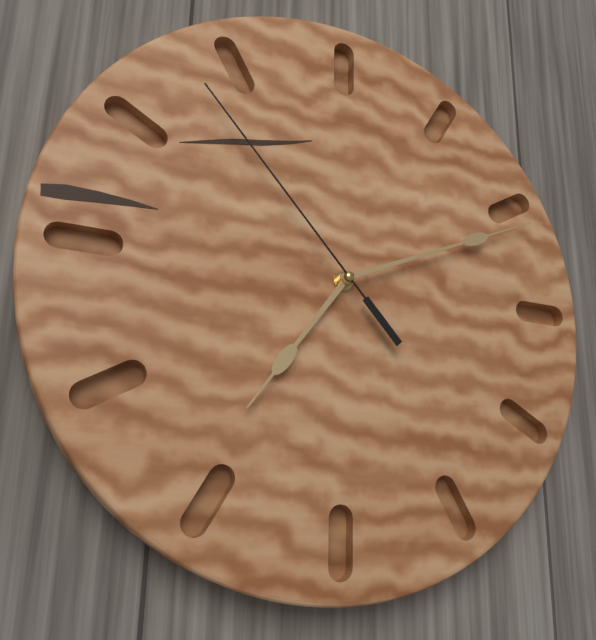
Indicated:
7,11,53
